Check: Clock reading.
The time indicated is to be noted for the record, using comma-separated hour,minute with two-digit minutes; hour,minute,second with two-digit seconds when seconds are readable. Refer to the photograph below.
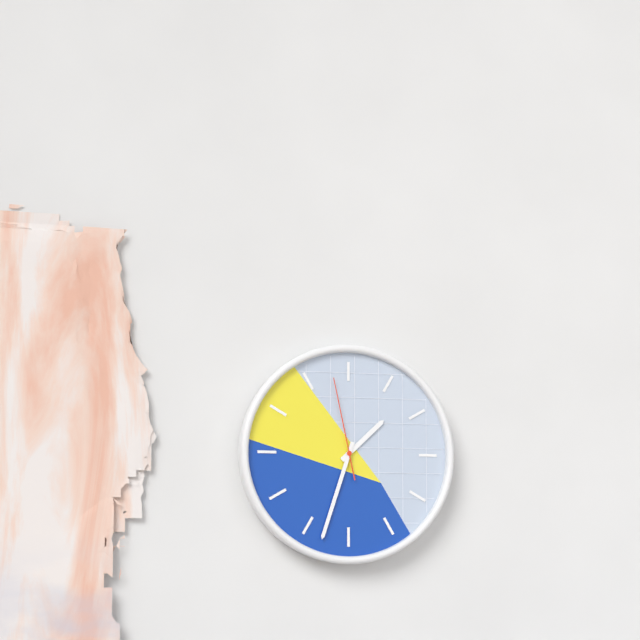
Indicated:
1,33,58
